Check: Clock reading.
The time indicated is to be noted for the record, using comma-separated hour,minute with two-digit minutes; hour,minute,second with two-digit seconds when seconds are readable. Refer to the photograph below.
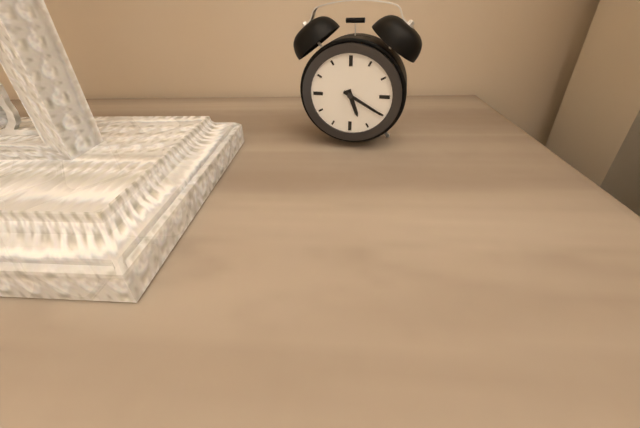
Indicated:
5,20
